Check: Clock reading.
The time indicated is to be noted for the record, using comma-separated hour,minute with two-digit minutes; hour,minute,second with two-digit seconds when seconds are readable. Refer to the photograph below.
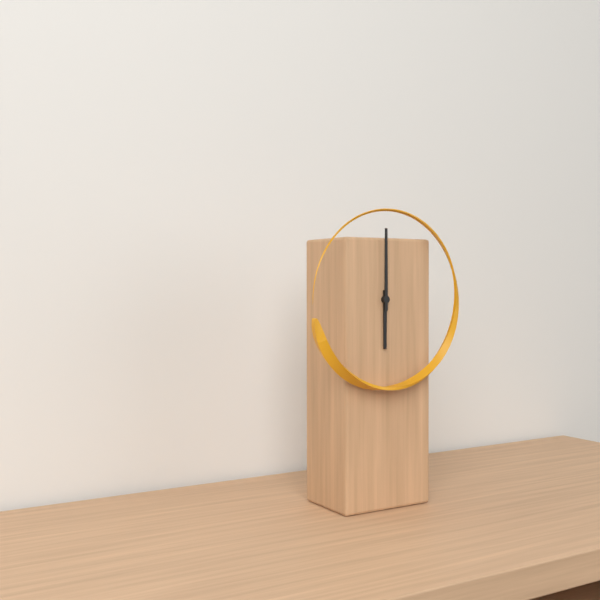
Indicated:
6,00
